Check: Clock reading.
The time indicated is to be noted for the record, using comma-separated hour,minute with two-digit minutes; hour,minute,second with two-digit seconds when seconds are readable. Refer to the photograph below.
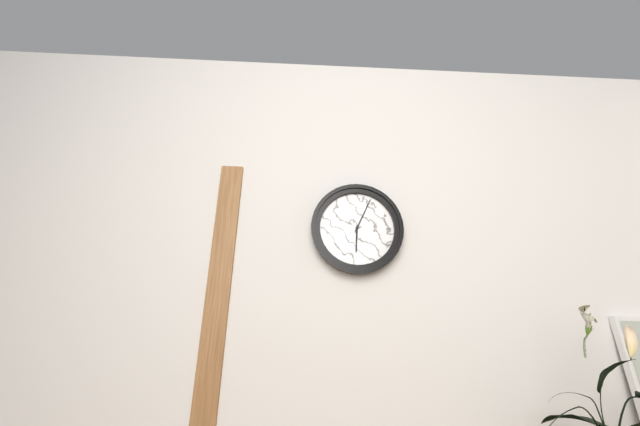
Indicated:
6,04
